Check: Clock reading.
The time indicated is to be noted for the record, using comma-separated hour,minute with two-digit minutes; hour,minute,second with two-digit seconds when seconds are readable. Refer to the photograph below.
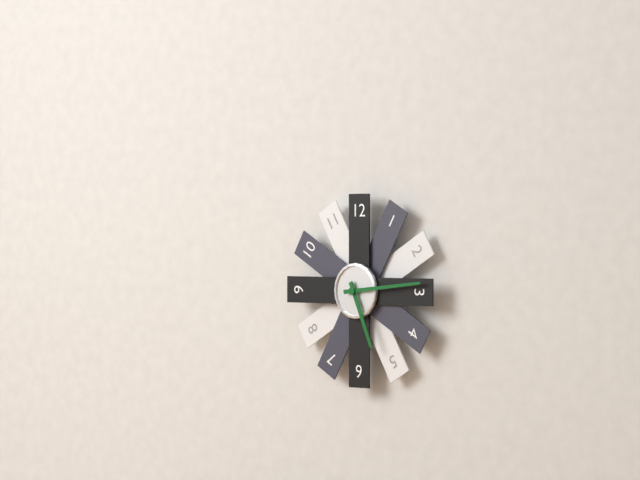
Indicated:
5,14
